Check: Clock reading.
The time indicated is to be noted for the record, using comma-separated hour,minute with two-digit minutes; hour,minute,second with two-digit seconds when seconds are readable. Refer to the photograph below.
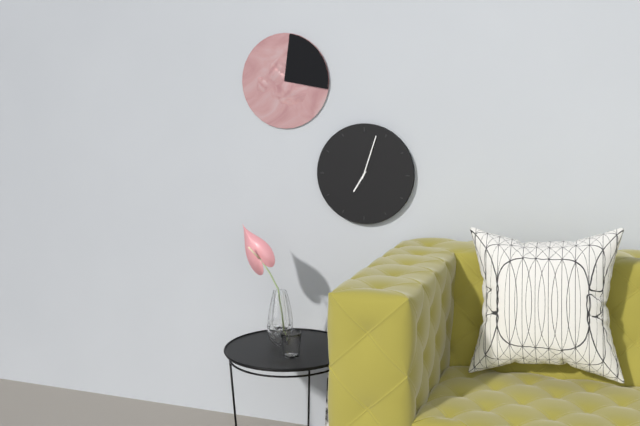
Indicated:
7,03
